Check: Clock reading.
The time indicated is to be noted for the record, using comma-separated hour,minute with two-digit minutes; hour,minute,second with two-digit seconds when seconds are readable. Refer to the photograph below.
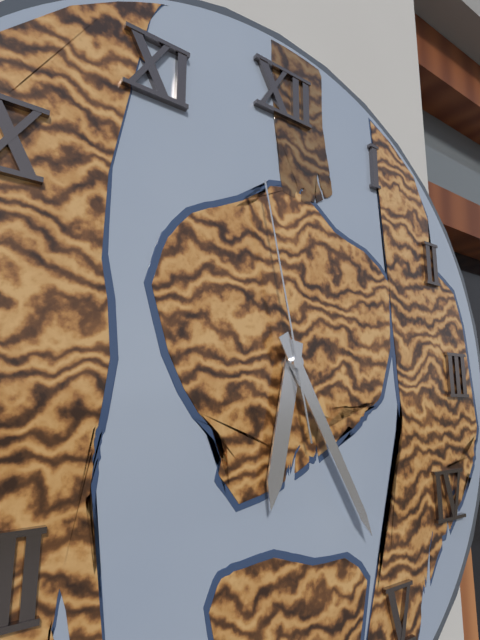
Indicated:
6,25,58
